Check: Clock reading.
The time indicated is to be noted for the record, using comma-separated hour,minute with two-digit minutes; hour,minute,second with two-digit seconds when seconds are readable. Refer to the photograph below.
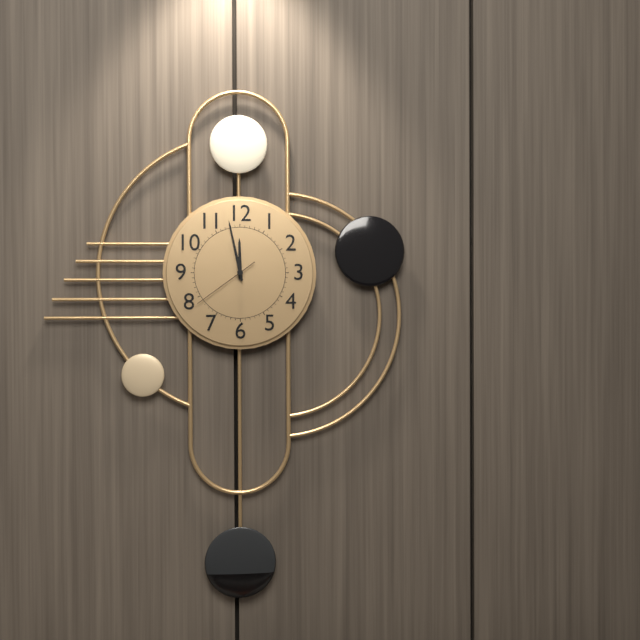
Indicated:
11,58,39
